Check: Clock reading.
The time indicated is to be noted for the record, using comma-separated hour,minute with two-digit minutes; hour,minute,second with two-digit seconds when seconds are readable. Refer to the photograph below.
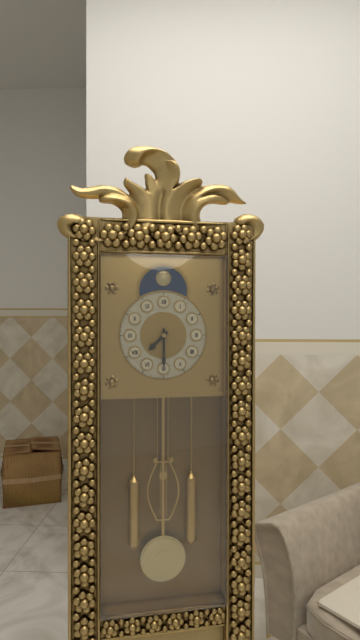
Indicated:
7,30
